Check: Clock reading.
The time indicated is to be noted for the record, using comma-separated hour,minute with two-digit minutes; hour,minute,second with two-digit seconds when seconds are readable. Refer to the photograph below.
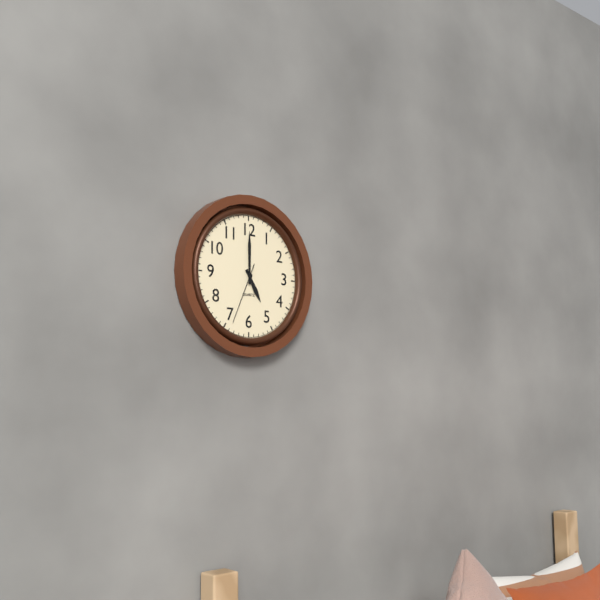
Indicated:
5,00,34
